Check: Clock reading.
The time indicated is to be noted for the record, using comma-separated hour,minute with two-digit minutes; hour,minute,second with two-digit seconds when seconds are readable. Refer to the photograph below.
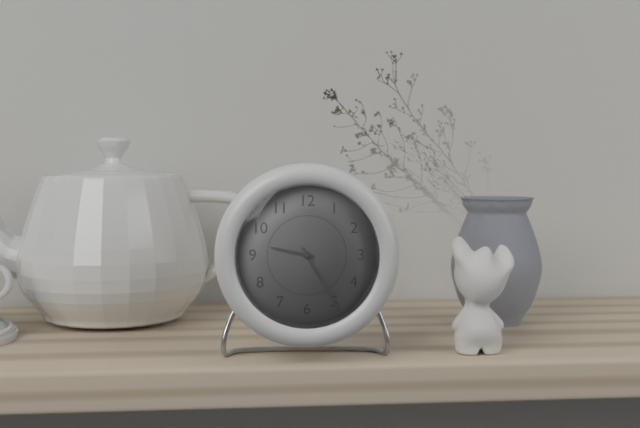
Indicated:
9,25,24
